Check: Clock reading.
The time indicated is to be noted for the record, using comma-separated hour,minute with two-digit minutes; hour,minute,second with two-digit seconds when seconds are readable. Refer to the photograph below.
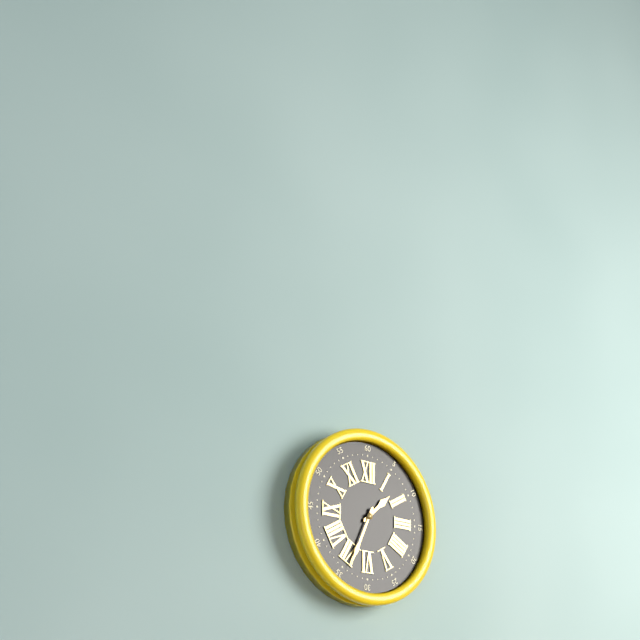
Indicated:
1,34
